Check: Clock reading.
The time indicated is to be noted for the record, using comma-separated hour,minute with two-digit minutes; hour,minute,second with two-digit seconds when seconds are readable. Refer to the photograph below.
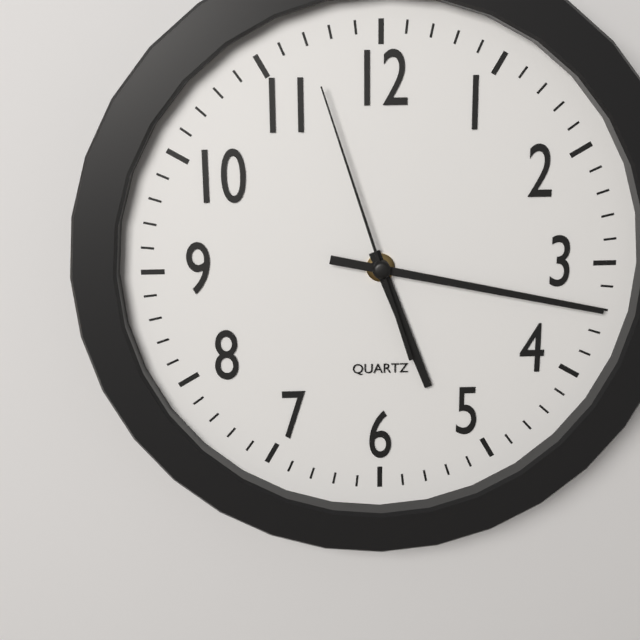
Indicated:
5,17,57
